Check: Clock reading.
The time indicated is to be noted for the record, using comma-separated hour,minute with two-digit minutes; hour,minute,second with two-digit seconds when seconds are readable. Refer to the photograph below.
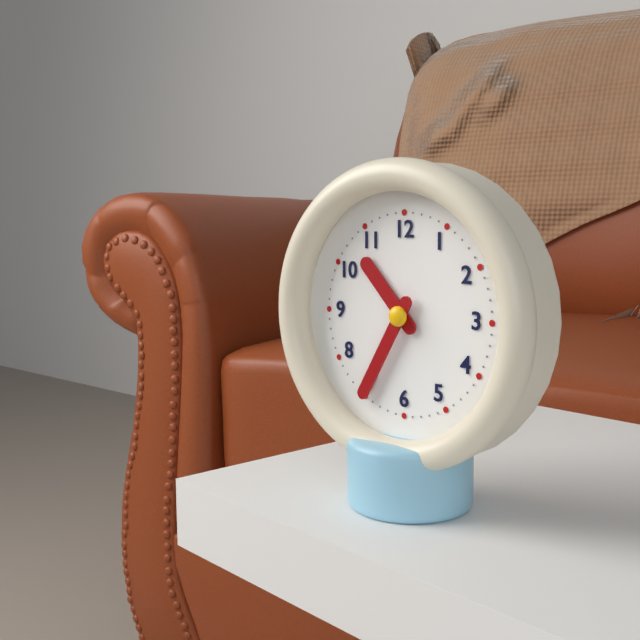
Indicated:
10,35
